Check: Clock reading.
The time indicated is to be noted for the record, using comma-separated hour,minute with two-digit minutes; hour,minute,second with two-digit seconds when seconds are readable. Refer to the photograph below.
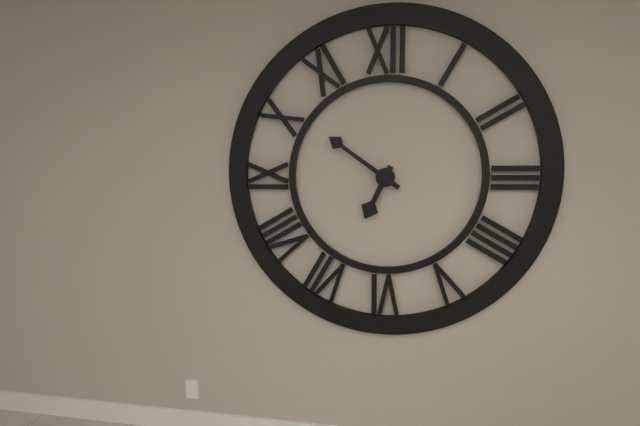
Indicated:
6,51
